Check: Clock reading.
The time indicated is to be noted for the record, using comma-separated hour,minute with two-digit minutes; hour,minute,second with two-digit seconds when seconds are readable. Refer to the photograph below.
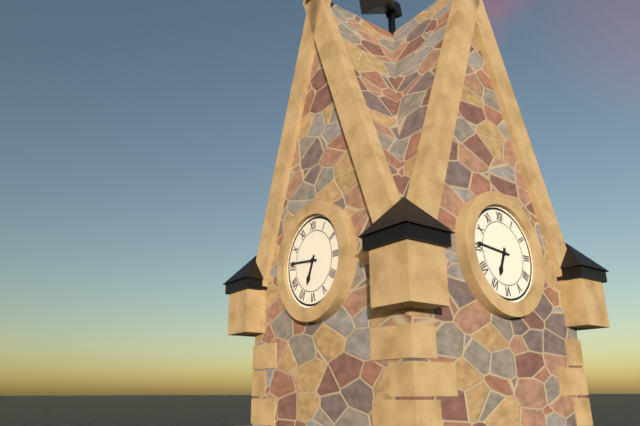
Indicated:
6,46
